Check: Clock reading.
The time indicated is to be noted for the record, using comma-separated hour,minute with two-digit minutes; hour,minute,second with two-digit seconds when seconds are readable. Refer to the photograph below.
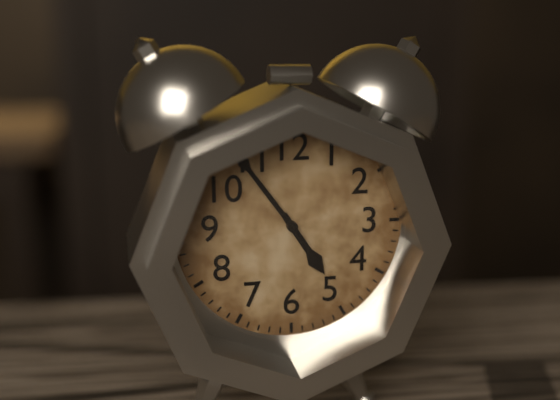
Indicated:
4,54
